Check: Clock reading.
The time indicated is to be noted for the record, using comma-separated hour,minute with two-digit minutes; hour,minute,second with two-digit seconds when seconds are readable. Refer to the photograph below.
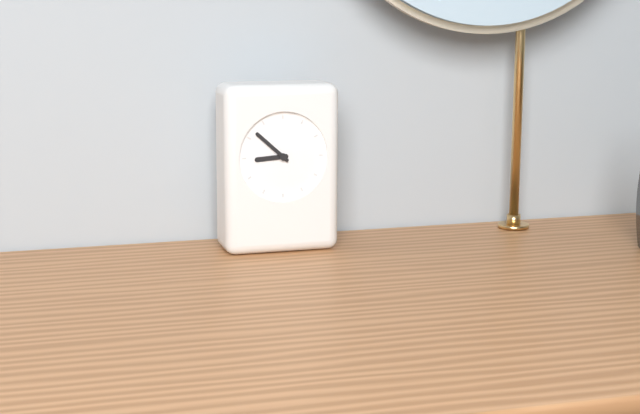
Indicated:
8,52
